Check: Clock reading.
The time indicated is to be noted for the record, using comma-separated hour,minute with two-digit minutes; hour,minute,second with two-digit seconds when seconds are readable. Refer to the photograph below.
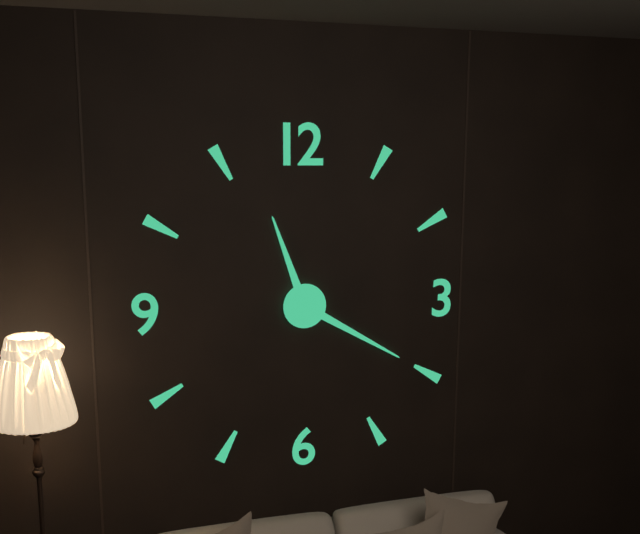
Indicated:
11,20
